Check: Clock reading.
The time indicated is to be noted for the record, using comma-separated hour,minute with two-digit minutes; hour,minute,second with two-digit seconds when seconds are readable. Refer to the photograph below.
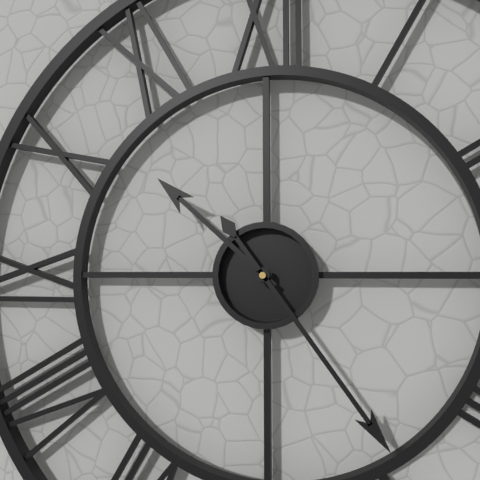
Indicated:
10,24
